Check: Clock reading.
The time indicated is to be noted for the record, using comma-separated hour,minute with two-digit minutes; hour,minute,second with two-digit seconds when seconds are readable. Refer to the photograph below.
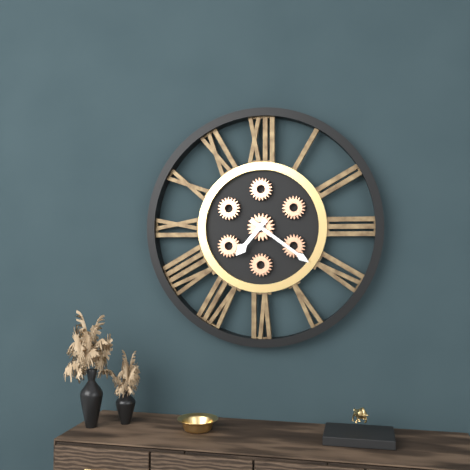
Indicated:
7,21
